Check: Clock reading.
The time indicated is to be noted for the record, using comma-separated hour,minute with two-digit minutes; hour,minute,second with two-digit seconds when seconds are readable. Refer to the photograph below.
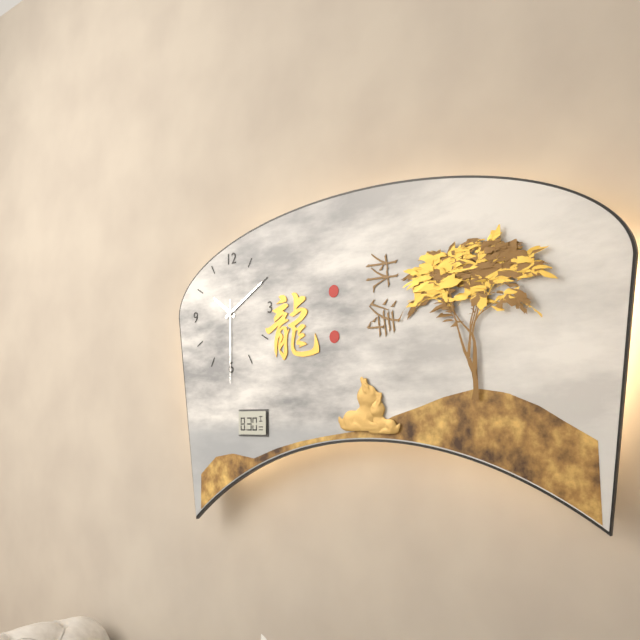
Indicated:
10,10,30
